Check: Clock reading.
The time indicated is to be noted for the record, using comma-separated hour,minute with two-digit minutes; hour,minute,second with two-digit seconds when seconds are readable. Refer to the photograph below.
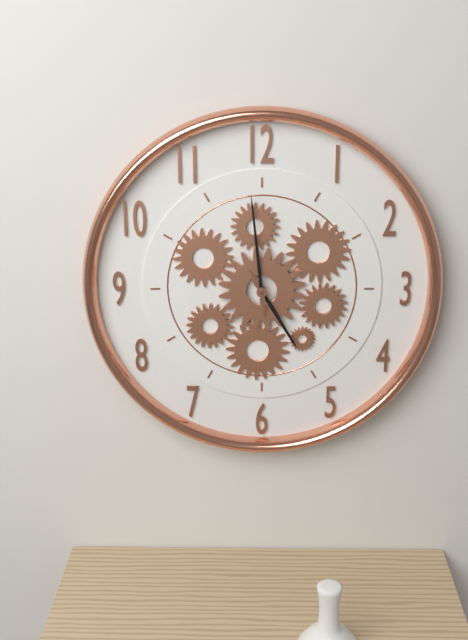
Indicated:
4,59
